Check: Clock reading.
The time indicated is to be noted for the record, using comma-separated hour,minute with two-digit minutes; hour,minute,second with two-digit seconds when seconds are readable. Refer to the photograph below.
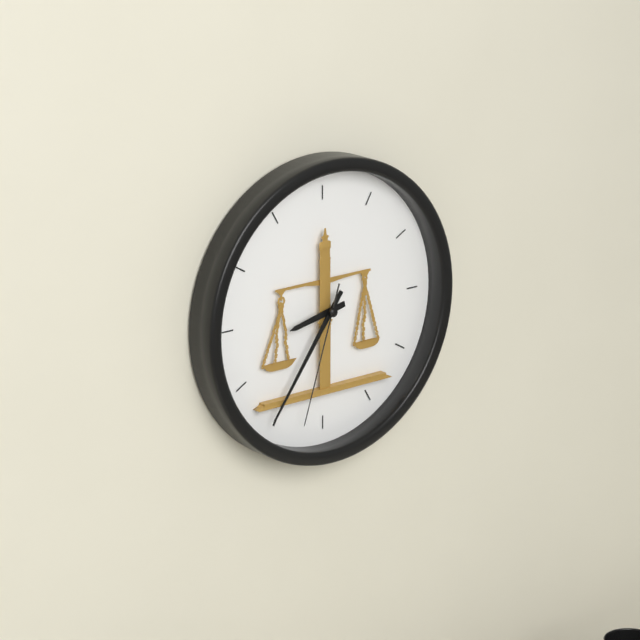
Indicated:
8,36,33
